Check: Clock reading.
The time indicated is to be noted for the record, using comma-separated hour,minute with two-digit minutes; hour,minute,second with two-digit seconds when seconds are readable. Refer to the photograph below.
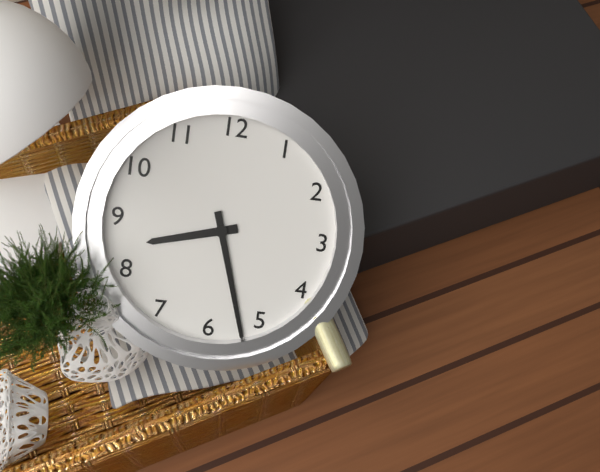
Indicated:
8,27
